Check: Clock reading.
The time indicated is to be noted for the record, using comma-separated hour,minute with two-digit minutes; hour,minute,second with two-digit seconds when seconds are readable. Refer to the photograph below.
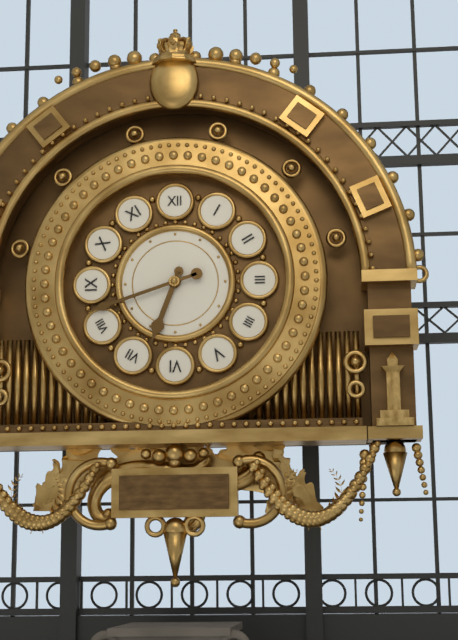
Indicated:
6,42
